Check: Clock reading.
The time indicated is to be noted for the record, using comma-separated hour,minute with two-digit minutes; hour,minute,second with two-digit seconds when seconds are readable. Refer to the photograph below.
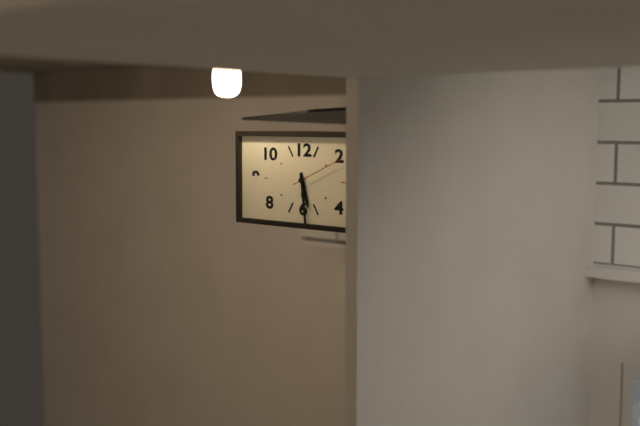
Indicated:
5,29,11
